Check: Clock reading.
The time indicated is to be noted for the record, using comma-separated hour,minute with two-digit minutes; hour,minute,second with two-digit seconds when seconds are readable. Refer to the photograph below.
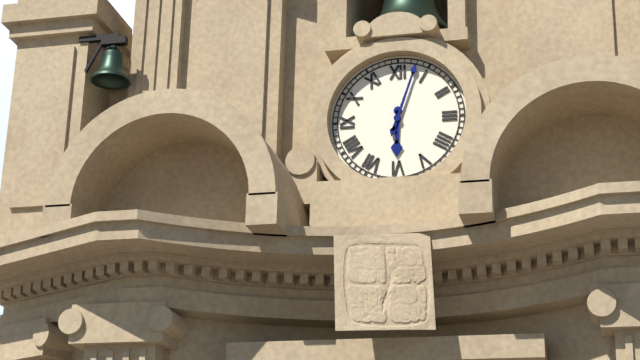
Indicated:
6,03
